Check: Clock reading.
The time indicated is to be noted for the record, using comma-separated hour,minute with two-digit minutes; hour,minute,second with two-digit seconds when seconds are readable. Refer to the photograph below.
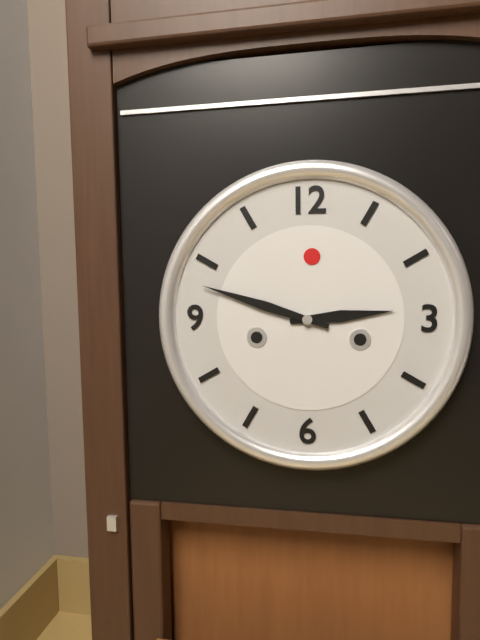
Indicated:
2,48
